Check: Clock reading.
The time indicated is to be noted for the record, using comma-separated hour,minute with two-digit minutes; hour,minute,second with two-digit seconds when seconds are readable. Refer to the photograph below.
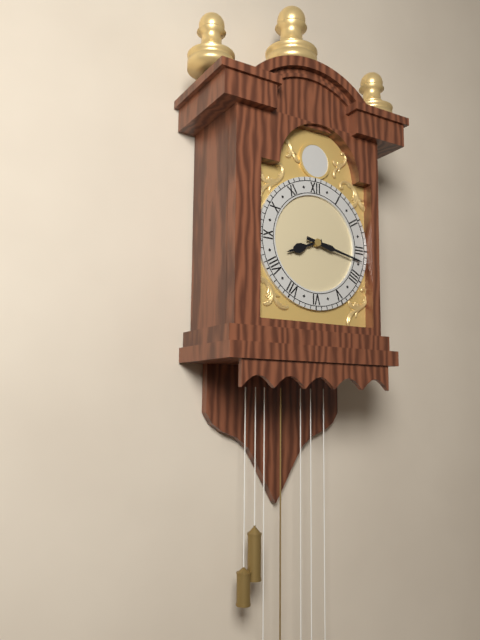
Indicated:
8,17
